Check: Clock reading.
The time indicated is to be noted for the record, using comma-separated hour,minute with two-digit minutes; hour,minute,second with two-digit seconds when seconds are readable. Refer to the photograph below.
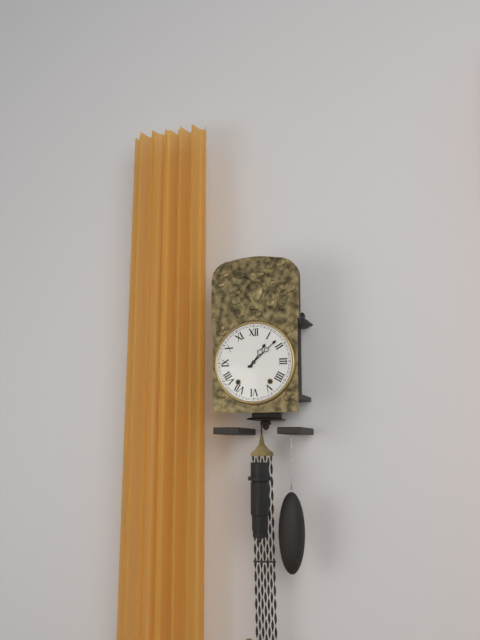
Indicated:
1,08
